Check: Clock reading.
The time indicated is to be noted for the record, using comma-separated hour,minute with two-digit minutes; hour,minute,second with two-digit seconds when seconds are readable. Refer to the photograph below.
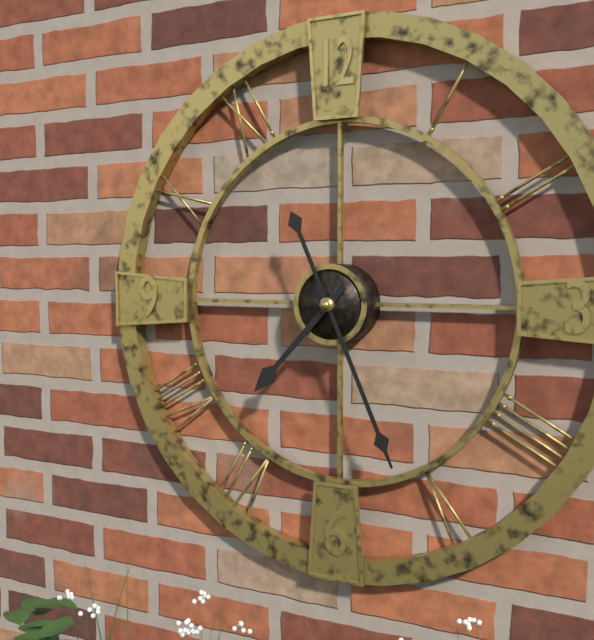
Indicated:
7,26
